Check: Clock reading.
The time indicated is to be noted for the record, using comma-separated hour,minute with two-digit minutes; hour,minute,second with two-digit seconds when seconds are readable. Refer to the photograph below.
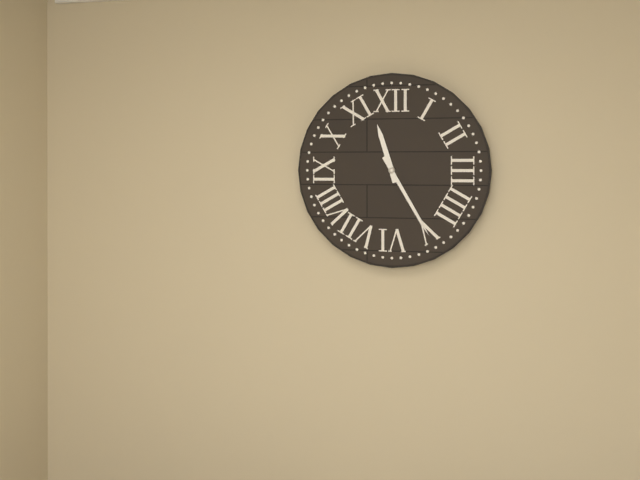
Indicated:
11,25
